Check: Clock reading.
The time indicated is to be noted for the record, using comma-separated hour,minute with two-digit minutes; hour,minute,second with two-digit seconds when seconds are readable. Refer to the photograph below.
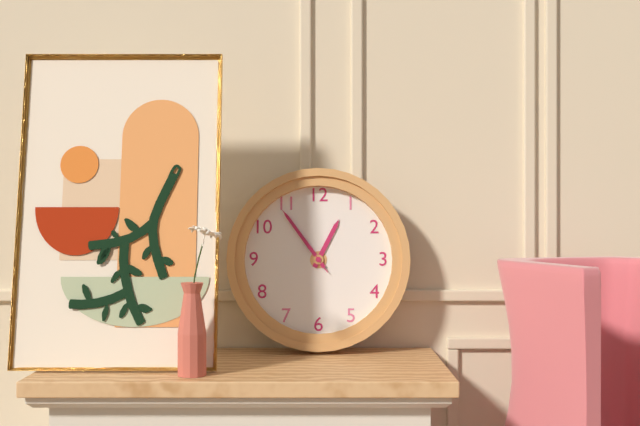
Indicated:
12,54,54
